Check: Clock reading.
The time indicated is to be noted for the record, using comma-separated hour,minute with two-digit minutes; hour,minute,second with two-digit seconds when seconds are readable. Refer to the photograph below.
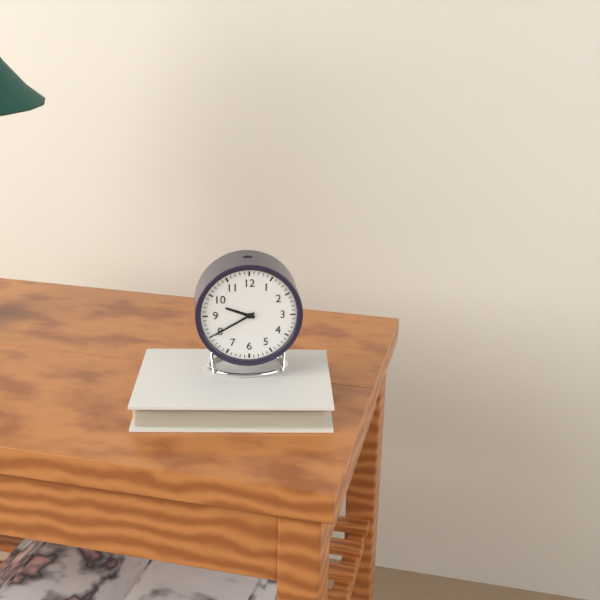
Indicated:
9,40
